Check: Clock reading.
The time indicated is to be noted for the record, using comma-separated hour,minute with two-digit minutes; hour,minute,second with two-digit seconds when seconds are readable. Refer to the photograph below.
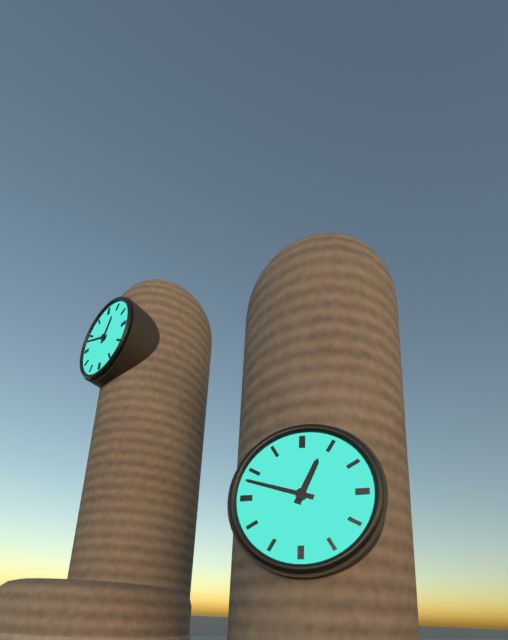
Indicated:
12,48
